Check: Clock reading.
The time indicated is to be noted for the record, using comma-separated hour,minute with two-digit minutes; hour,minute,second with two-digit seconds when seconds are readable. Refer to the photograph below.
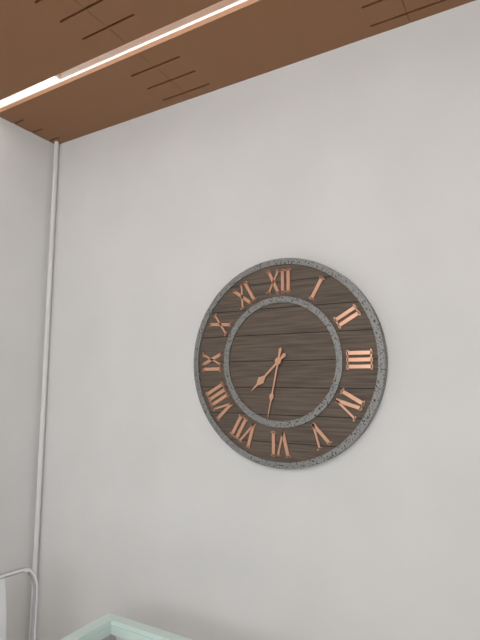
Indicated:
7,32
